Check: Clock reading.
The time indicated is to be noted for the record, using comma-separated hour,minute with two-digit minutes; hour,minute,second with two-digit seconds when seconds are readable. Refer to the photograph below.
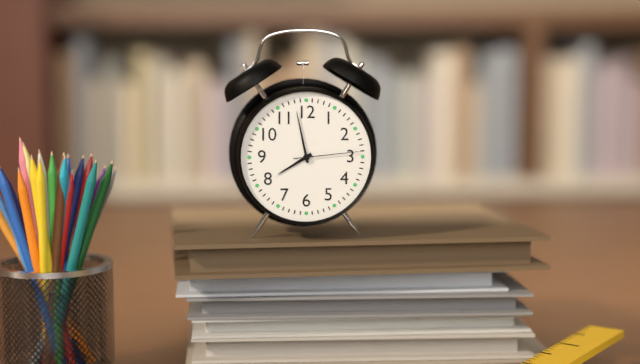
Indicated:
7,58,14
